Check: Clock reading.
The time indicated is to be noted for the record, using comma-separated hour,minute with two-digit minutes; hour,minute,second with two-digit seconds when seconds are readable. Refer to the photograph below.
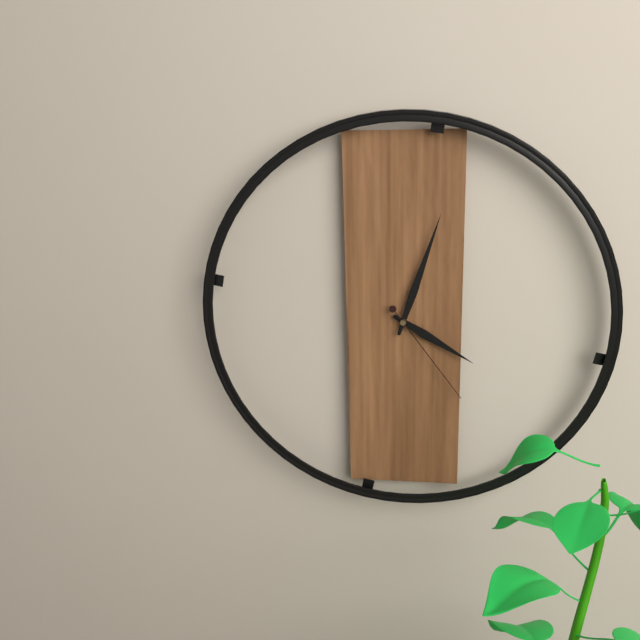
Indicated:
4,03,24
